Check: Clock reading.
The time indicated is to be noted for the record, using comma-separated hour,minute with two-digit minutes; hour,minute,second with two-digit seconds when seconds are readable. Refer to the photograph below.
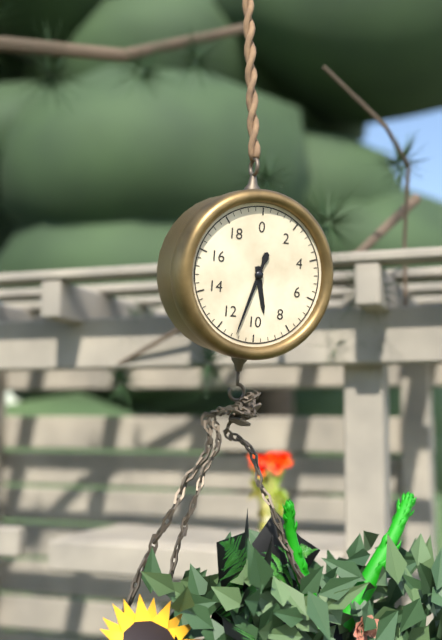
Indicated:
5,33
